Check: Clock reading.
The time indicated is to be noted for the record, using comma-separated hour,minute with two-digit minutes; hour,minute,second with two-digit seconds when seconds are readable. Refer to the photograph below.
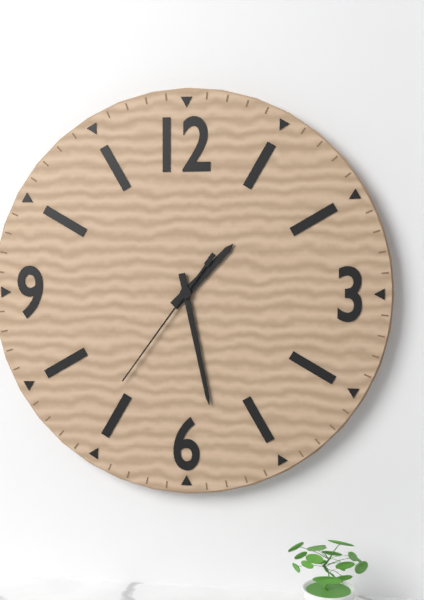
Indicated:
1,28,36
